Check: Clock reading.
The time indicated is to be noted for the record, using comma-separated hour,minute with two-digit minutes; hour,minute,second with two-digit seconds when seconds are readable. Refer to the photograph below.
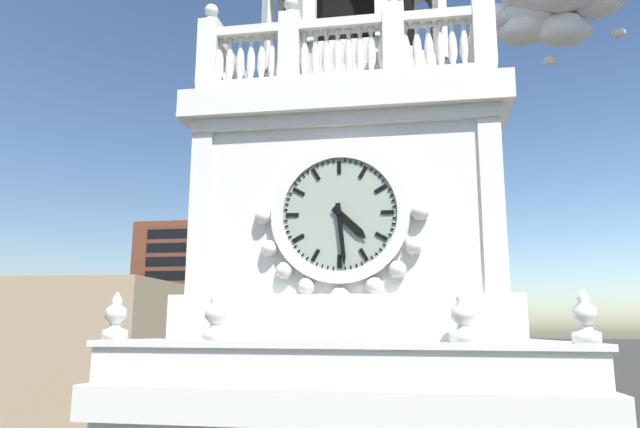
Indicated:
4,29
